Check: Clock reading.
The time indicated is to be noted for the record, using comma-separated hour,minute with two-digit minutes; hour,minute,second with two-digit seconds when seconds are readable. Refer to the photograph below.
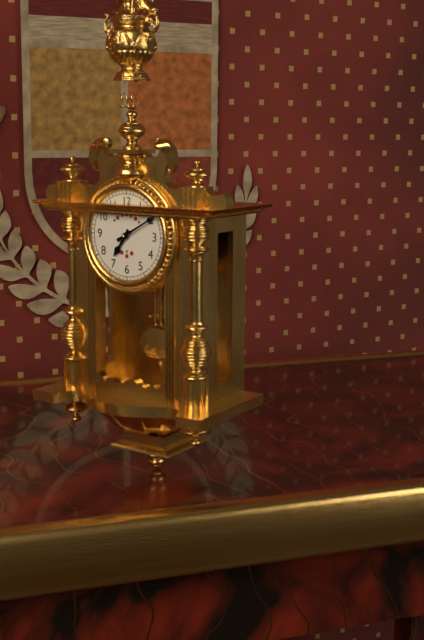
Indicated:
7,10
